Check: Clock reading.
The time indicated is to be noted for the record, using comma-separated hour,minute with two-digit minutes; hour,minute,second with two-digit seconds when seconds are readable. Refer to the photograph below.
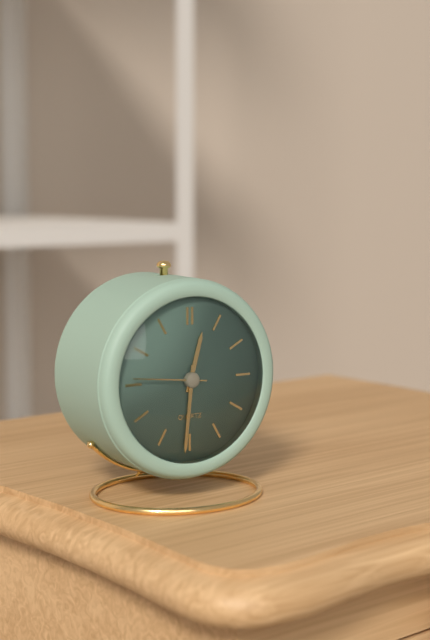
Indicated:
12,31,46
